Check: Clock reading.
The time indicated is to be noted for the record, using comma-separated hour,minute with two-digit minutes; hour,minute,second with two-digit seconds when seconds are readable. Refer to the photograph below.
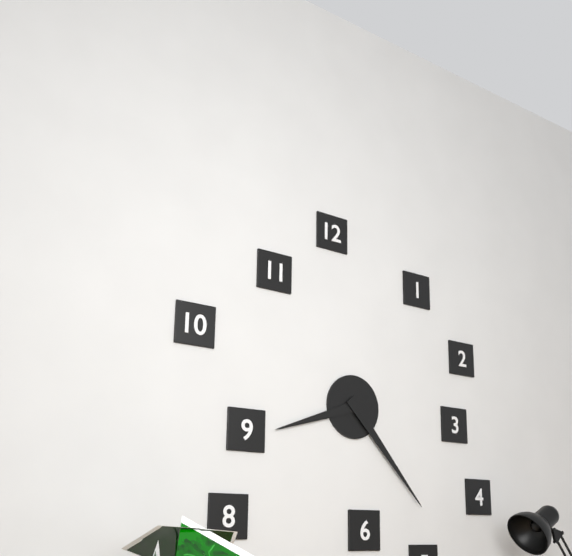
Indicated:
8,23
